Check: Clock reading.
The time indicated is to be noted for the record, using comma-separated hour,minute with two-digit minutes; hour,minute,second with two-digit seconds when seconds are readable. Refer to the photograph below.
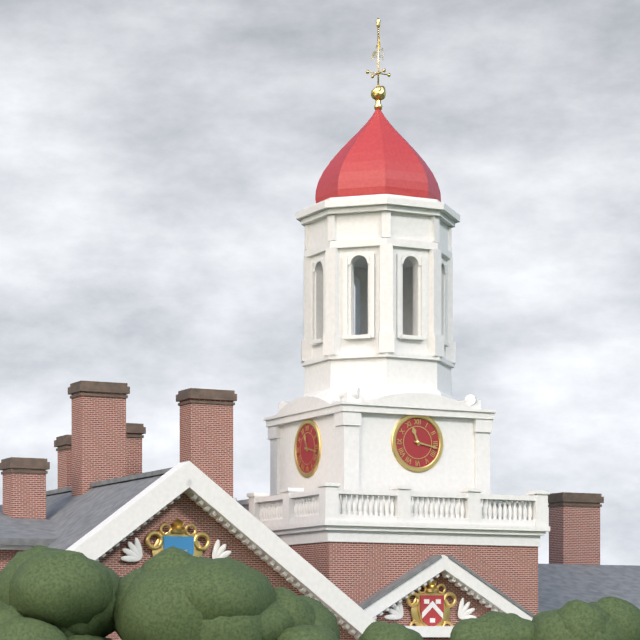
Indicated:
11,17
